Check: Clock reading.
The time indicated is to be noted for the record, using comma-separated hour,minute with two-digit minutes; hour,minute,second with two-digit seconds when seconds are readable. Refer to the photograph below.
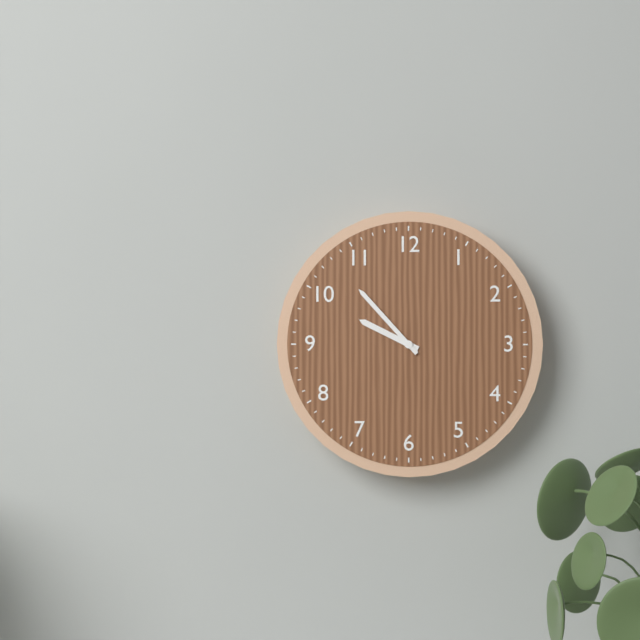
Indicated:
9,53
